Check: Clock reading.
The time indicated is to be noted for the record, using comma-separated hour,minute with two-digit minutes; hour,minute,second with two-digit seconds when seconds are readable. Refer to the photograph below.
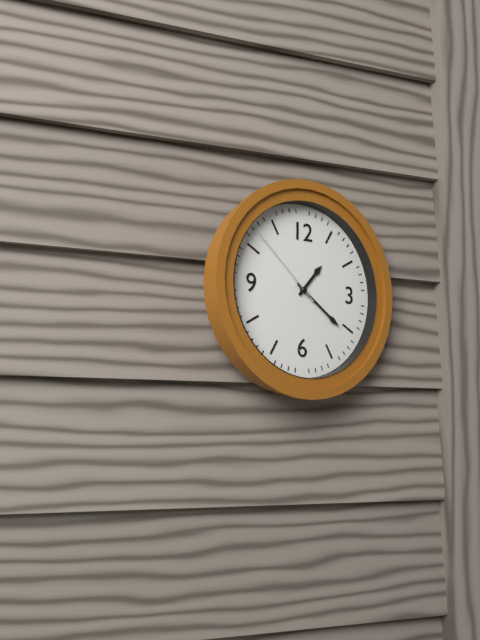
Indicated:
1,21,52
